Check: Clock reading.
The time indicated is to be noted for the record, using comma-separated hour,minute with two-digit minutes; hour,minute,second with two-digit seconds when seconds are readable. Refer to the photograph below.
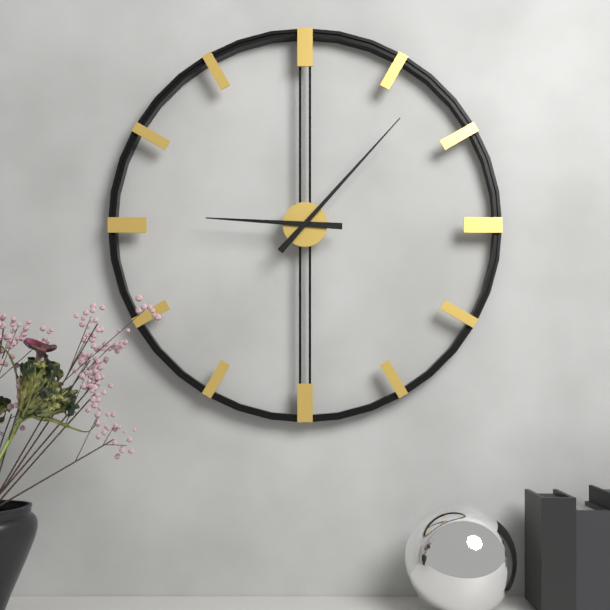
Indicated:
9,07
